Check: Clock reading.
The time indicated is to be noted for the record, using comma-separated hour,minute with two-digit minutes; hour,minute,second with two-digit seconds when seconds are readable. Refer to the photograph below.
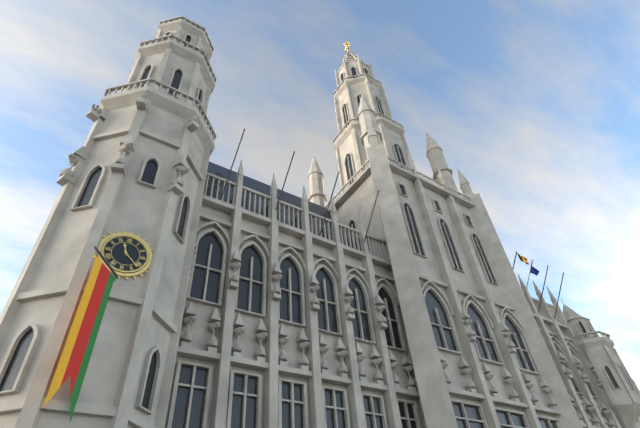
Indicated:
11,22
